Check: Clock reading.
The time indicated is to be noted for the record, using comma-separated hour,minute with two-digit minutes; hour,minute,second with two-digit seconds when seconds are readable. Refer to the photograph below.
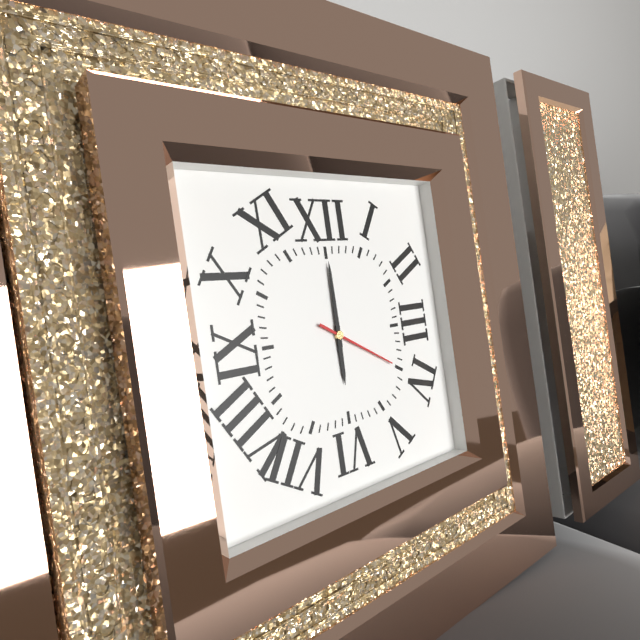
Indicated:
6,00,20
